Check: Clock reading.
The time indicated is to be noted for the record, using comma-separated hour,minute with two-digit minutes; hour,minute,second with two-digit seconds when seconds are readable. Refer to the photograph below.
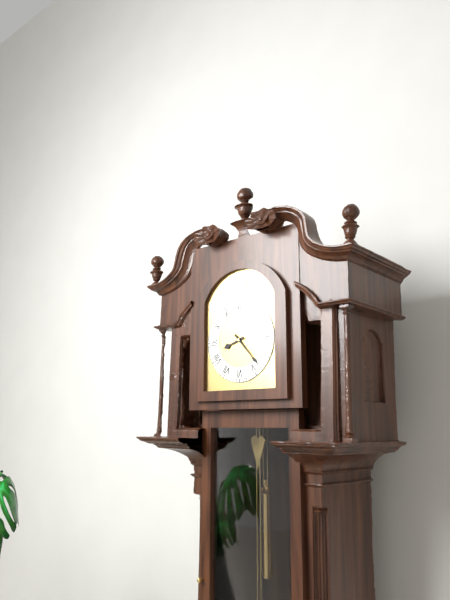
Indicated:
8,23
